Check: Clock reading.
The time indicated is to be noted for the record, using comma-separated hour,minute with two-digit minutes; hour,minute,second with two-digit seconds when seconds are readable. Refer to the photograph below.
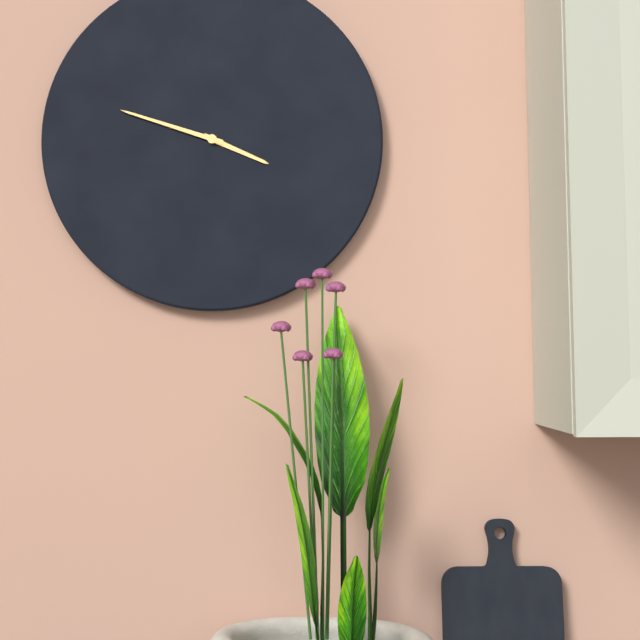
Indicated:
3,48
